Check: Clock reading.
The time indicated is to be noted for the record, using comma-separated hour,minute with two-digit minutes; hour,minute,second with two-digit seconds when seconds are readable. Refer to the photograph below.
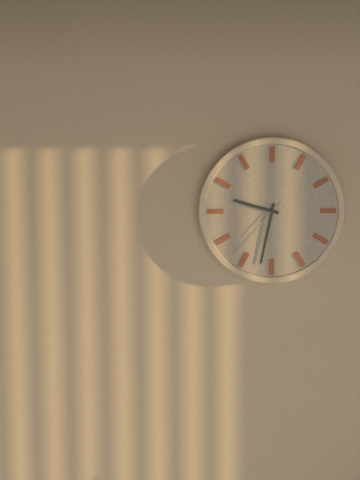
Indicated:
9,32,37
